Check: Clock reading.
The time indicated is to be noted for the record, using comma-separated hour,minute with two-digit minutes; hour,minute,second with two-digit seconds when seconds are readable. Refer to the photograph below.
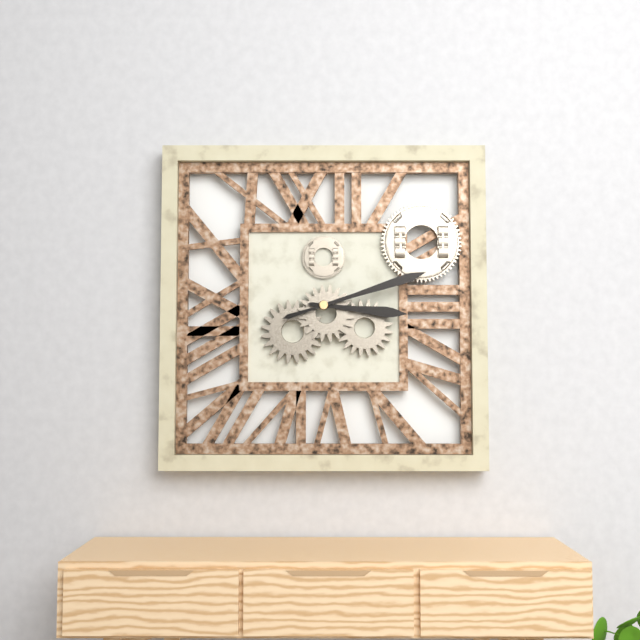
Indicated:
3,12
